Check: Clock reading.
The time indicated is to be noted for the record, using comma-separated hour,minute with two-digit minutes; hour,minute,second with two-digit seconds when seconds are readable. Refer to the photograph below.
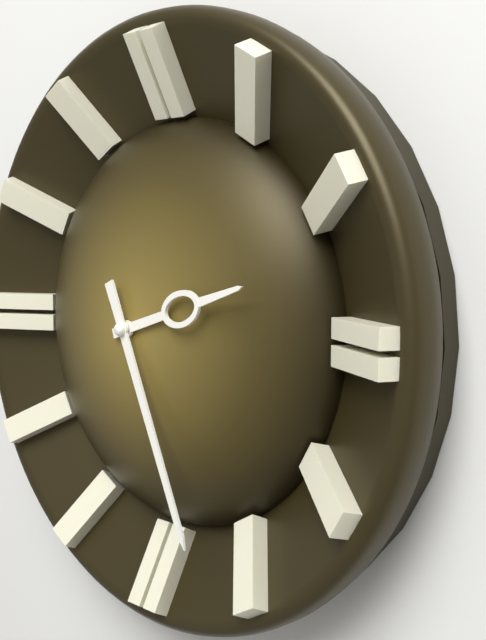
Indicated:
2,26
